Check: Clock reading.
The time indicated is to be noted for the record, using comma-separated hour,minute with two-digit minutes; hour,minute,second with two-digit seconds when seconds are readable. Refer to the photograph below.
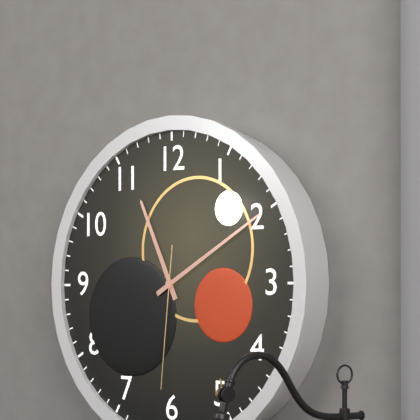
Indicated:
11,10,31
